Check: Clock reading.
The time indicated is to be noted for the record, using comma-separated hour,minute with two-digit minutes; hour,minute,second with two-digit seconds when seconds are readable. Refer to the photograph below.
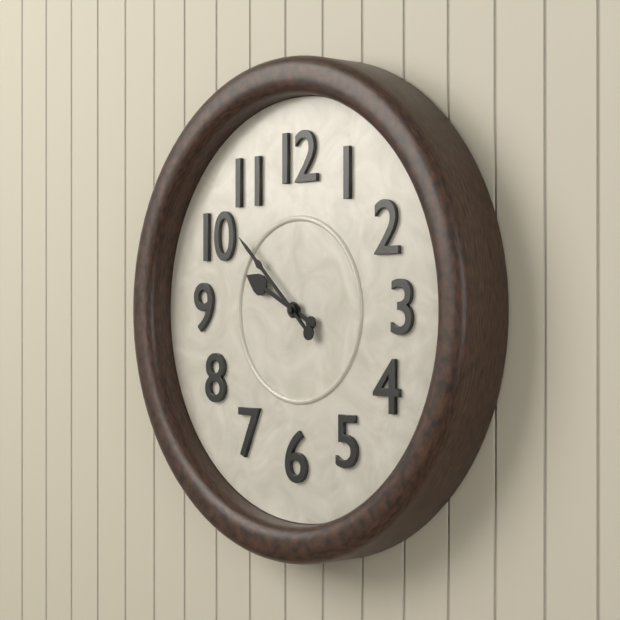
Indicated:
9,52
